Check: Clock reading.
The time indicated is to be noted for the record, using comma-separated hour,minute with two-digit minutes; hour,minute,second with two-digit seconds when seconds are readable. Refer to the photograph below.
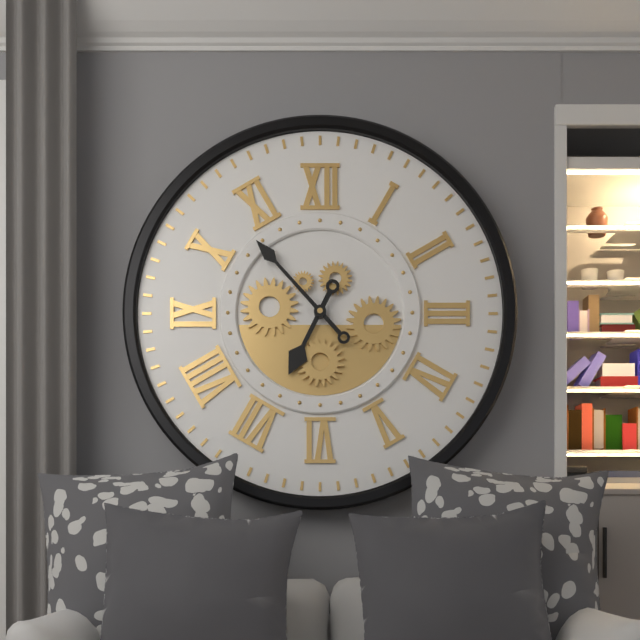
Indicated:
6,53
